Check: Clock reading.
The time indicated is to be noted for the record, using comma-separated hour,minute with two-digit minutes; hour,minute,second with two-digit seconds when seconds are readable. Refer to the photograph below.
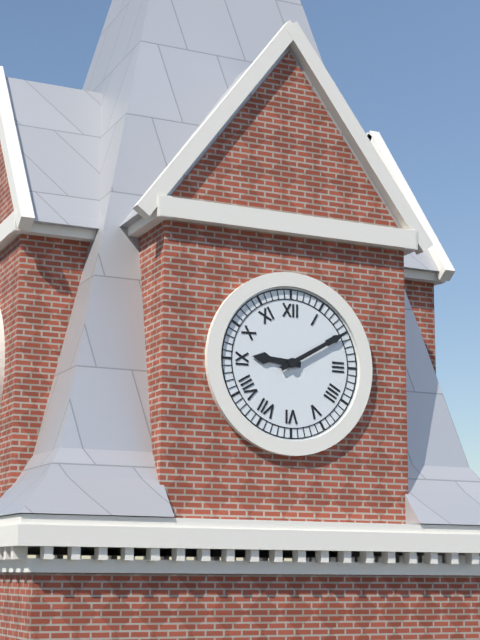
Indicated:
9,10
